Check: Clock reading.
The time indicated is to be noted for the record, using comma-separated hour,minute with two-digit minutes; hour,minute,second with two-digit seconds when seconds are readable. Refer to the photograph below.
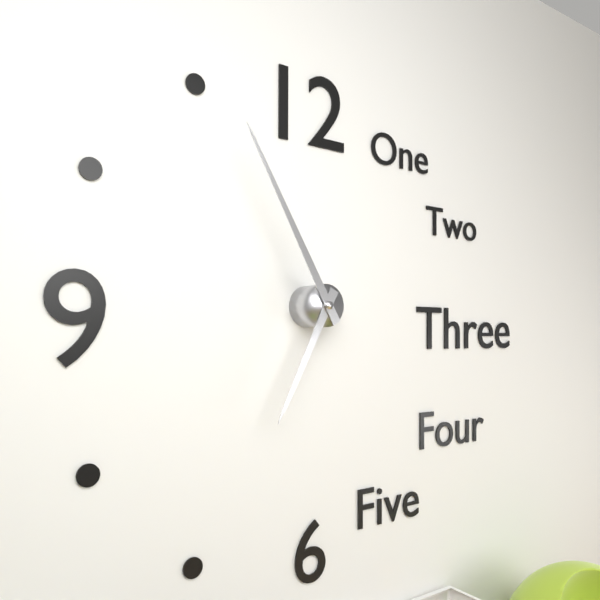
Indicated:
6,55
